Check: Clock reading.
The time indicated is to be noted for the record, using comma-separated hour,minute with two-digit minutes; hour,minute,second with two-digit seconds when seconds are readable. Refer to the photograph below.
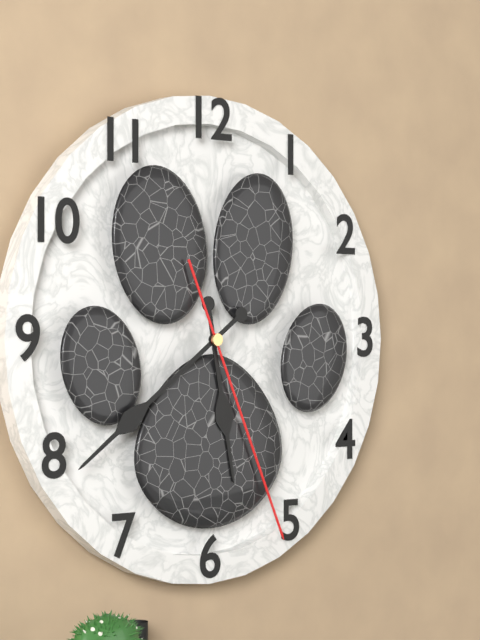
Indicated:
5,39,26
